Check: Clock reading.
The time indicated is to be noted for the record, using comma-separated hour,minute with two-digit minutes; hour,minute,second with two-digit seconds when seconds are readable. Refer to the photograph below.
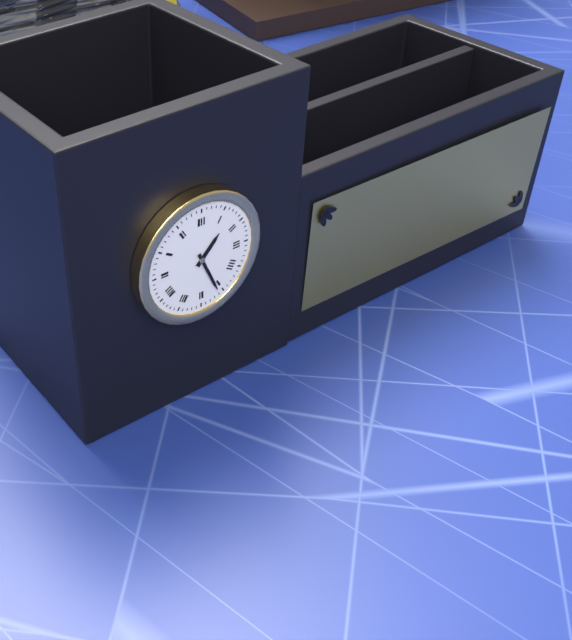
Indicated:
1,26
